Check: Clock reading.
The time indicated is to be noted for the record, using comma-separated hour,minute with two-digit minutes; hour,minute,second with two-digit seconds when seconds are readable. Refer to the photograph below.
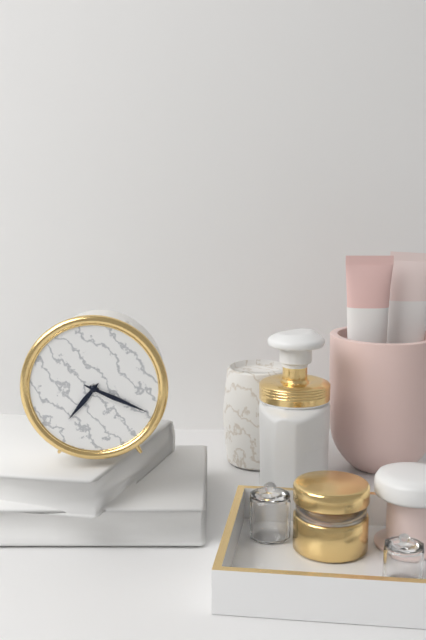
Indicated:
7,19
